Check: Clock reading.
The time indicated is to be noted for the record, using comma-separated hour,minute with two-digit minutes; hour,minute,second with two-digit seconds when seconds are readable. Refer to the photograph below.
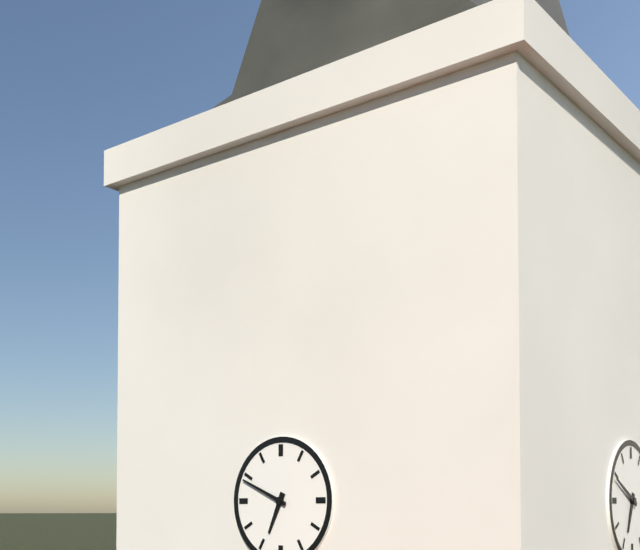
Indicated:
6,49
